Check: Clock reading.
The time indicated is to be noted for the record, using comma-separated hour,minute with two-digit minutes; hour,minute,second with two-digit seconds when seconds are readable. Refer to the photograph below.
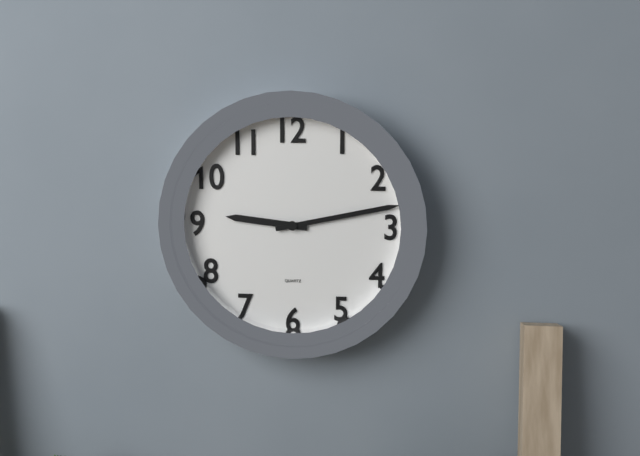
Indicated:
9,13
